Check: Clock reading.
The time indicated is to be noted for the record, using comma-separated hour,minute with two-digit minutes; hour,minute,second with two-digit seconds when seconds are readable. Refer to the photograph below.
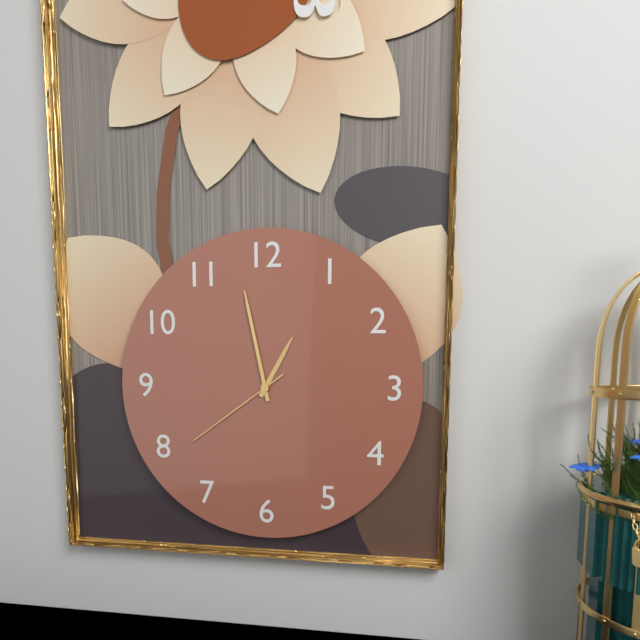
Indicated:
12,58,39
